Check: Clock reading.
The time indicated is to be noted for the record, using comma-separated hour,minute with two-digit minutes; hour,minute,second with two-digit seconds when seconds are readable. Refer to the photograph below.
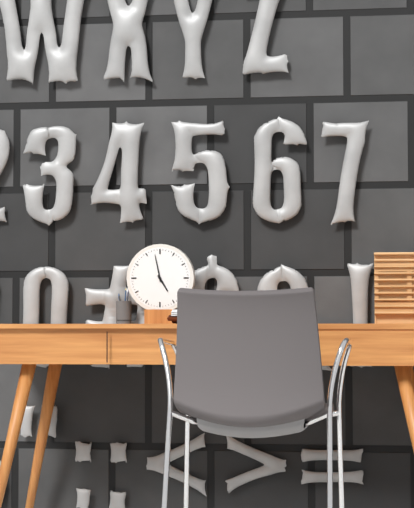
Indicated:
4,58
